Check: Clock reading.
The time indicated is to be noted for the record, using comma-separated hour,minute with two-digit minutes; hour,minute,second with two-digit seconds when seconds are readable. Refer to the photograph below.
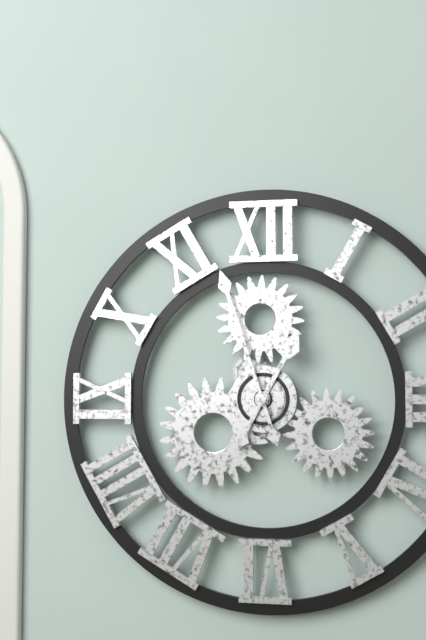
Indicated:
12,57
